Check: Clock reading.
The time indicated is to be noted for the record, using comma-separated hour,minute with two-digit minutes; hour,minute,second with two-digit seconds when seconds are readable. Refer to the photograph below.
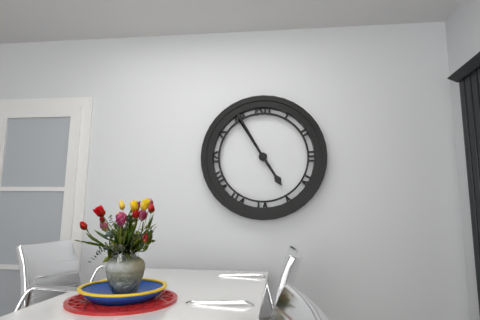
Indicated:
4,55
